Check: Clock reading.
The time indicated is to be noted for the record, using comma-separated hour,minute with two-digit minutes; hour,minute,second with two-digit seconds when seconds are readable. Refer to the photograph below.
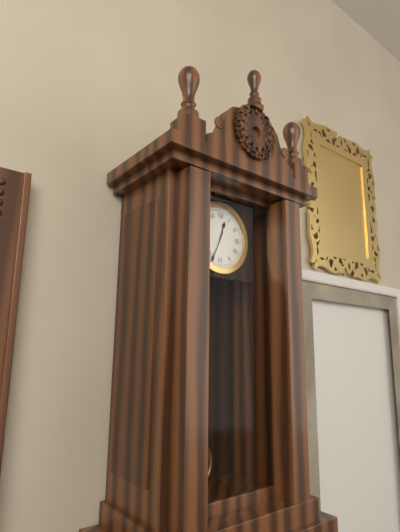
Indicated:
12,34
